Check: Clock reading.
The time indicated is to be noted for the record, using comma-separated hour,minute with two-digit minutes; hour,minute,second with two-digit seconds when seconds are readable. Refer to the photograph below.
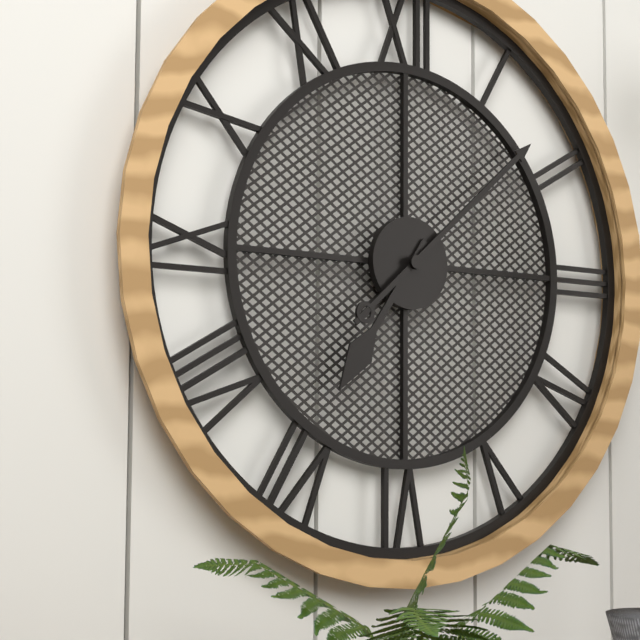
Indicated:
7,08
